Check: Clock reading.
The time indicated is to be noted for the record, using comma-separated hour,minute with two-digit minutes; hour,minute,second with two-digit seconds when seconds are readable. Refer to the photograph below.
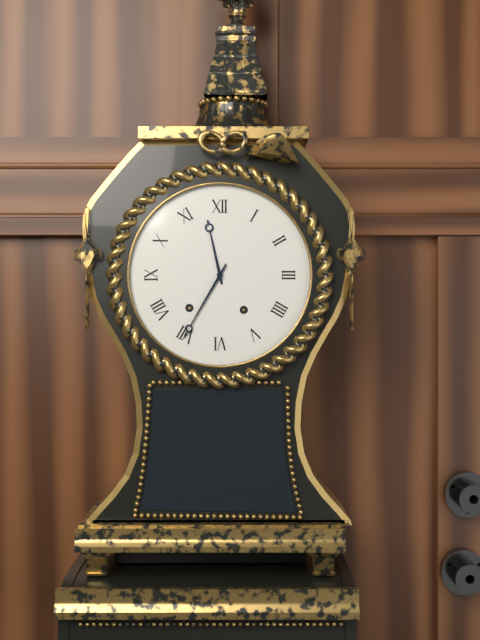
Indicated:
11,35
